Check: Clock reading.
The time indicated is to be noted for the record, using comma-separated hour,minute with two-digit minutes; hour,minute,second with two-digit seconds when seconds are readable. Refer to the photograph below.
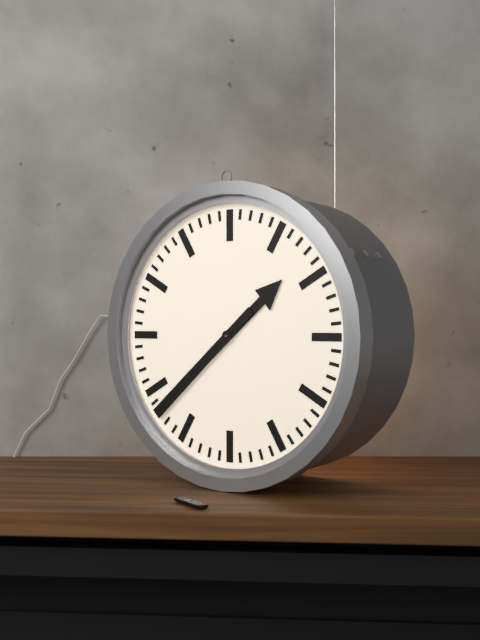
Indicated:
1,38
